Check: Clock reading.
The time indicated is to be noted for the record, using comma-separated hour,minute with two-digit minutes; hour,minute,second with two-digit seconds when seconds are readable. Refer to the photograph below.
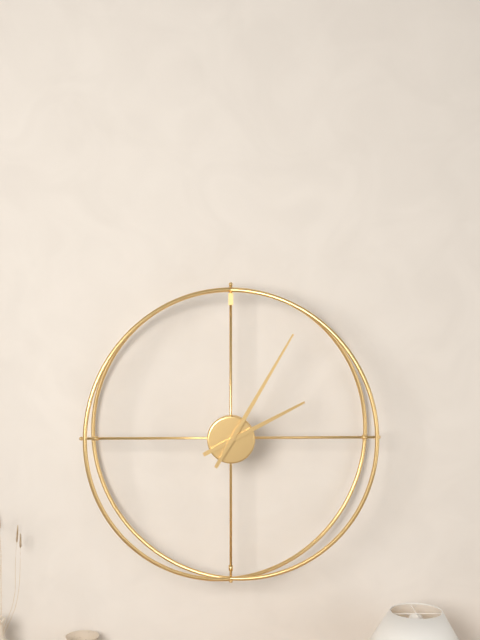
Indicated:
2,05
